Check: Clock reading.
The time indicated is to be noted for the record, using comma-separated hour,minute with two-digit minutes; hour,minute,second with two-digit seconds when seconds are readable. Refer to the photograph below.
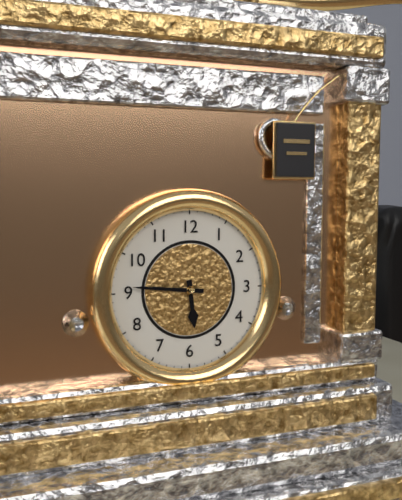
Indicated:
5,46
